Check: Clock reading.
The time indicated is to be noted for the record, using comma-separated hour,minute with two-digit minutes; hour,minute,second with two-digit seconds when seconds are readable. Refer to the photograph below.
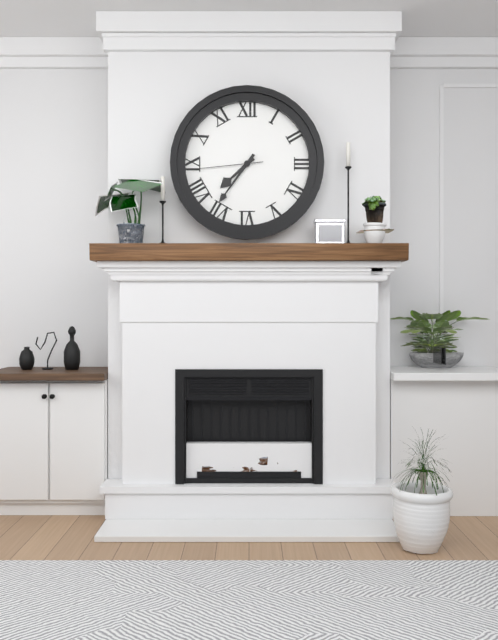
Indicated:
7,36,44
